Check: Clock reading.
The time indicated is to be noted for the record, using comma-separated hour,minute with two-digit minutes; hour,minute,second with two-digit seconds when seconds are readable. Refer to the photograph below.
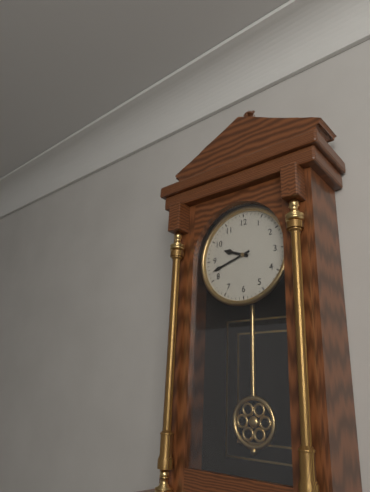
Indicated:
9,42
